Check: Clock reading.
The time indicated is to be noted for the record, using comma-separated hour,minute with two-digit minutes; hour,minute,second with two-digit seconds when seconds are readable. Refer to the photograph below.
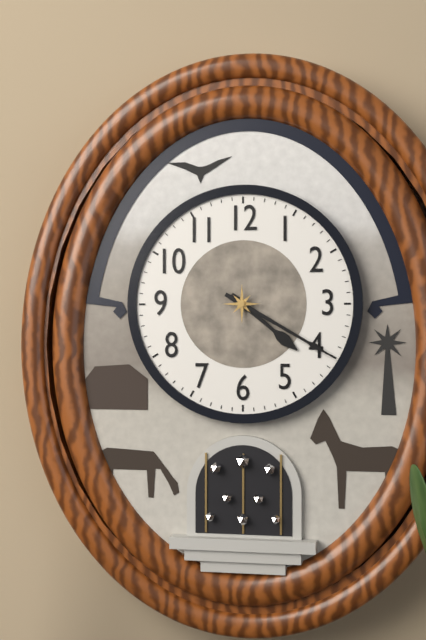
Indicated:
4,20
